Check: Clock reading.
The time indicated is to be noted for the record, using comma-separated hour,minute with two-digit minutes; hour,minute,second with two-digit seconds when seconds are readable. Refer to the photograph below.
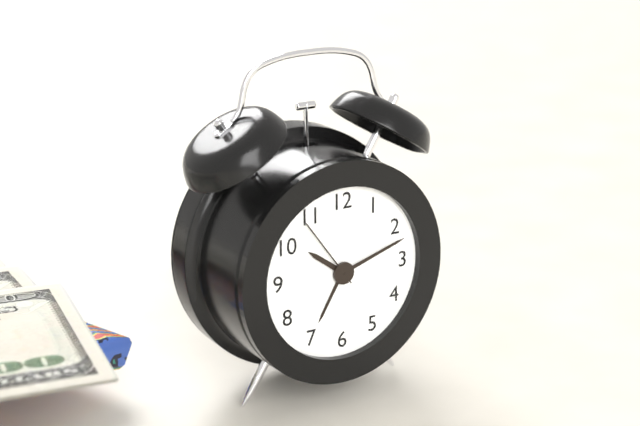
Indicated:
10,12,54
